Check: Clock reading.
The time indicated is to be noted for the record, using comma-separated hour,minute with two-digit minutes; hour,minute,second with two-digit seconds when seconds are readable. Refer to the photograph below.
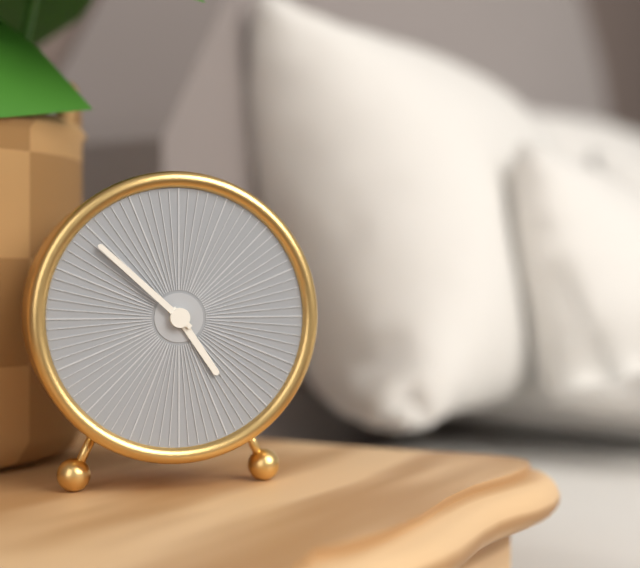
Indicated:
4,52
